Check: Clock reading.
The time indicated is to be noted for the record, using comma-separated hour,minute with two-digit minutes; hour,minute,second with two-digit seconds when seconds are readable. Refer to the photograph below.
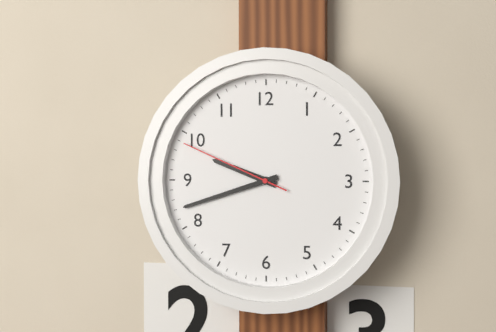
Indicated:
9,42,49
